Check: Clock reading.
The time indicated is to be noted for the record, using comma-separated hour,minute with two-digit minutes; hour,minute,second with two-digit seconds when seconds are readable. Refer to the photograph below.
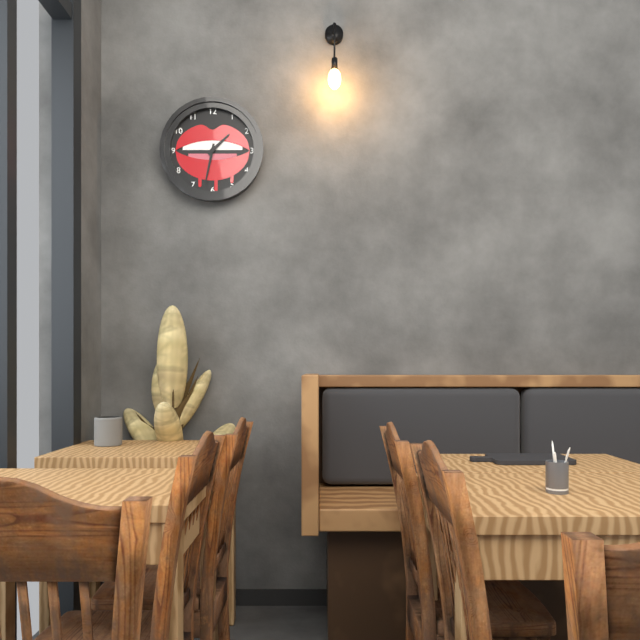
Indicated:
1,32
